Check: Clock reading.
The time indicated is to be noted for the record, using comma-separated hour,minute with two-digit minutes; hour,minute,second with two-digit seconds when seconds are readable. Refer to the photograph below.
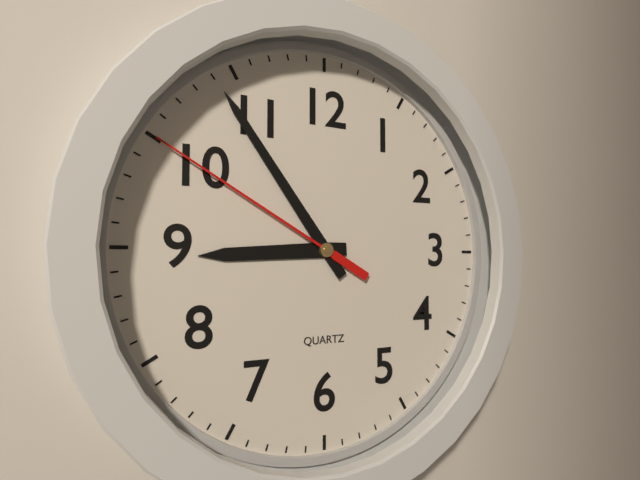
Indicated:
8,54,50
